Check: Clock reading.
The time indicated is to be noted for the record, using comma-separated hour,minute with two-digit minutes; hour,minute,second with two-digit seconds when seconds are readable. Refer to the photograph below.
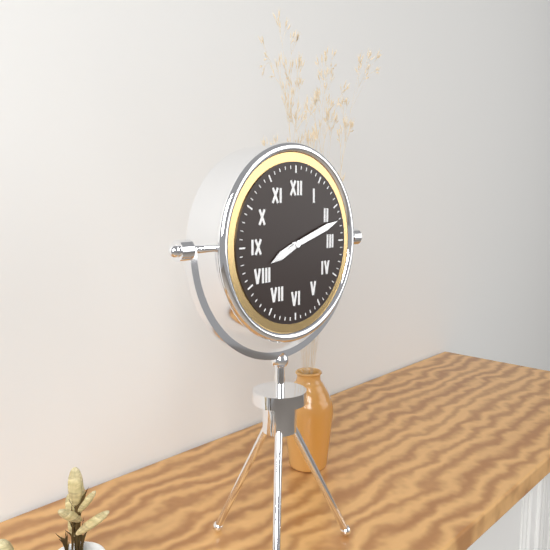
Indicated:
8,12
